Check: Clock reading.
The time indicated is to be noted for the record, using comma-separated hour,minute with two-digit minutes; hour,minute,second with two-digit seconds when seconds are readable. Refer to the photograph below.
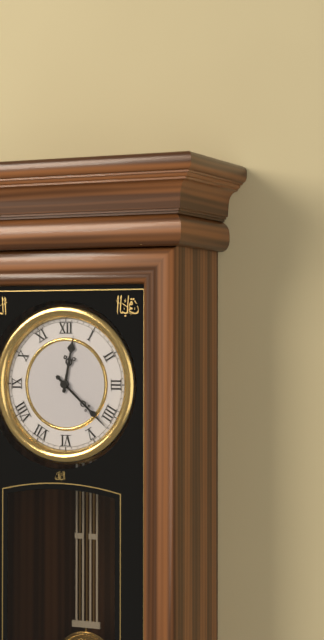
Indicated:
12,22
